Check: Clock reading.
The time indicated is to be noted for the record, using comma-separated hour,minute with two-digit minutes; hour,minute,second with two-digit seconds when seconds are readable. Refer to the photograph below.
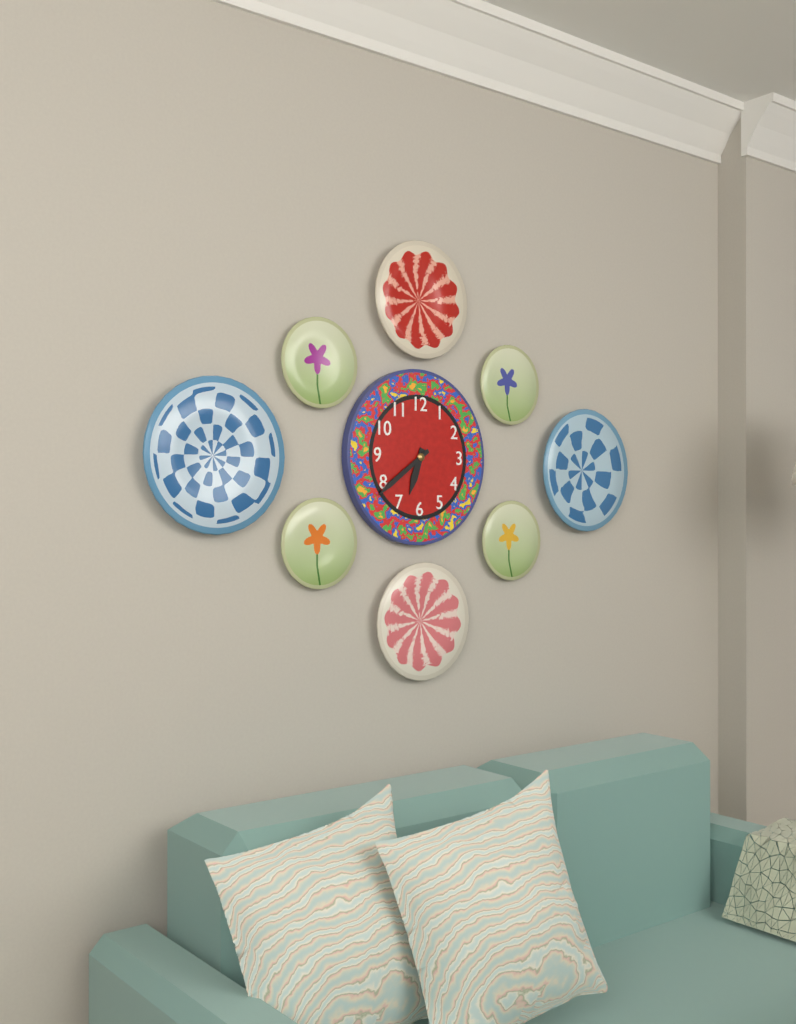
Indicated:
6,39
